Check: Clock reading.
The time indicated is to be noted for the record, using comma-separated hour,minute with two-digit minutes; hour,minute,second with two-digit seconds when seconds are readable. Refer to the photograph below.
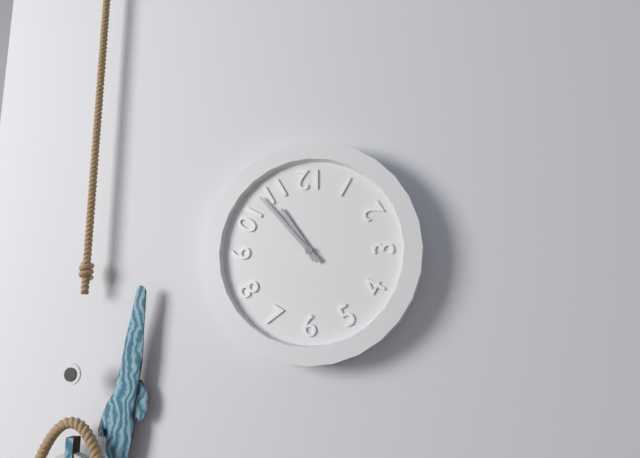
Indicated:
10,53
